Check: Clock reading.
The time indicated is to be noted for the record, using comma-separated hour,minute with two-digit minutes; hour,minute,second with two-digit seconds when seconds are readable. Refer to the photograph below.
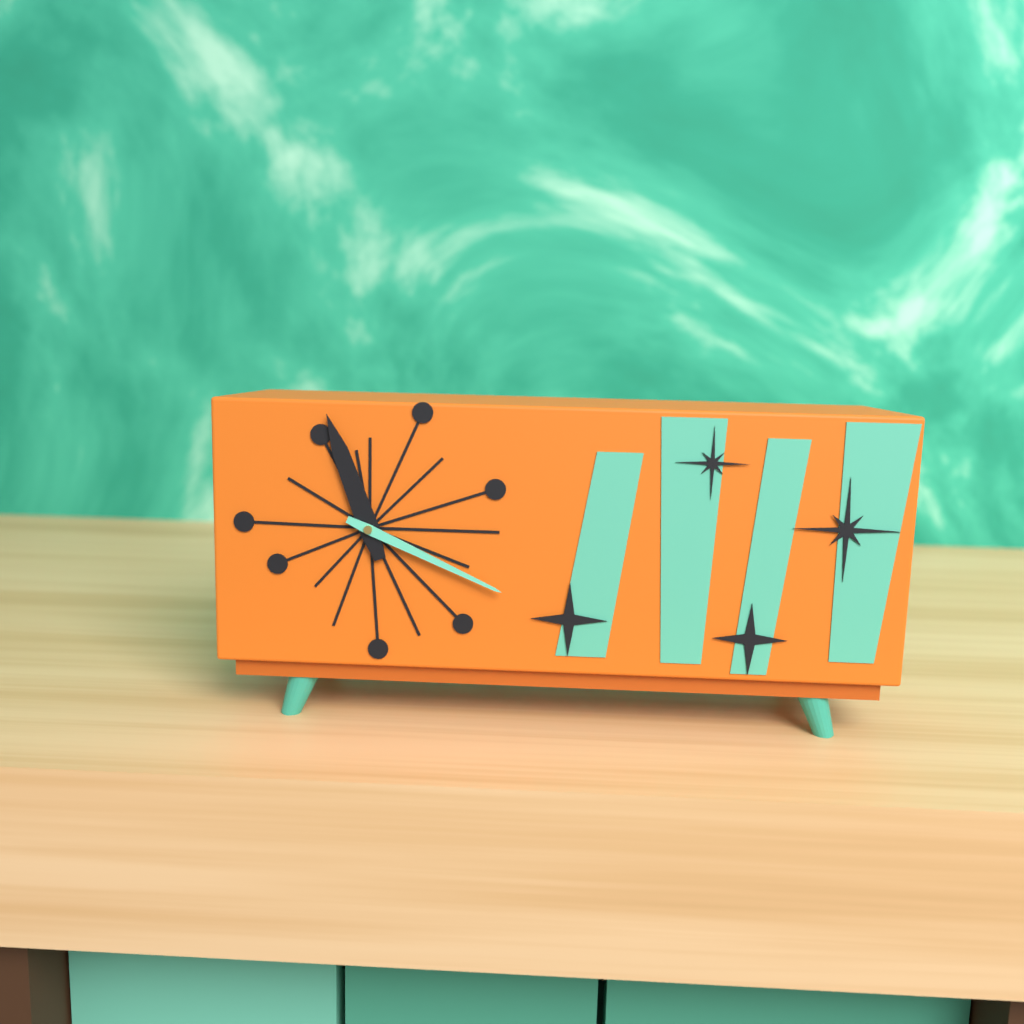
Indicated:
11,19
